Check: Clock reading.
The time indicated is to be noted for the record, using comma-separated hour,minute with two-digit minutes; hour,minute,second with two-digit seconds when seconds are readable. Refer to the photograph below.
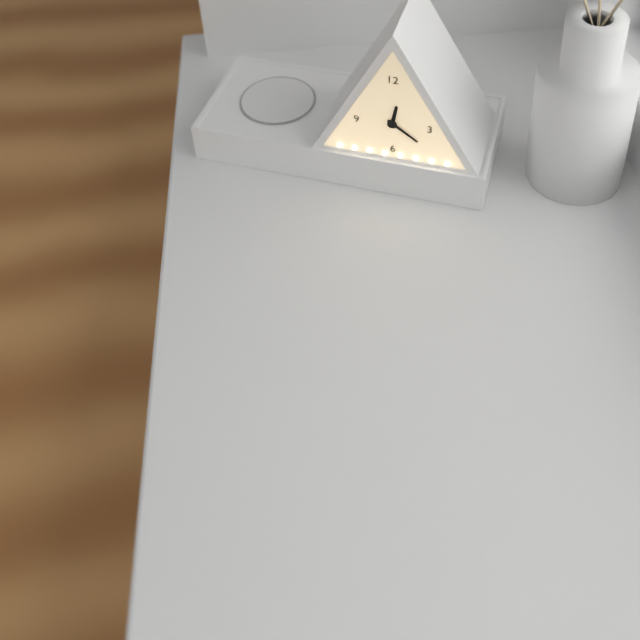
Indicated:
12,21
